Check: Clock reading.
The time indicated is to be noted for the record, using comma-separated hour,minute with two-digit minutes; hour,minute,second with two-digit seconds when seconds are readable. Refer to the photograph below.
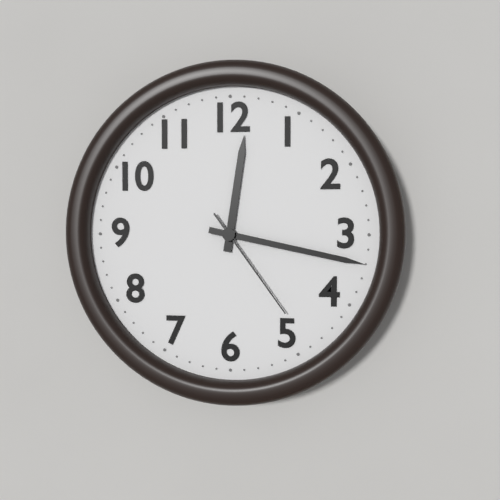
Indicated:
12,17,24
